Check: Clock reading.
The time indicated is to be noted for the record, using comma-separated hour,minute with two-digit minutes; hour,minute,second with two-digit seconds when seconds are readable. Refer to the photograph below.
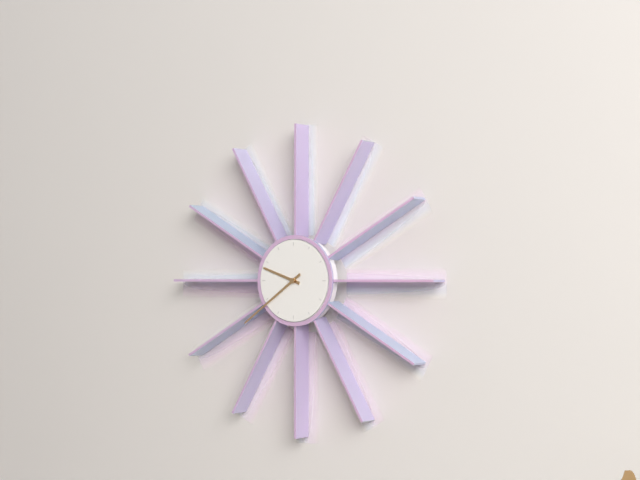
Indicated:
9,39
